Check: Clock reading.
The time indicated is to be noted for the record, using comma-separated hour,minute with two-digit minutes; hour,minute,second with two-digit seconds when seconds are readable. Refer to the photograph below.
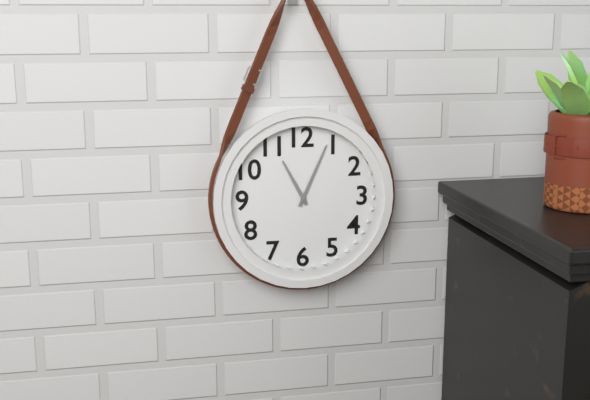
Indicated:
11,04
